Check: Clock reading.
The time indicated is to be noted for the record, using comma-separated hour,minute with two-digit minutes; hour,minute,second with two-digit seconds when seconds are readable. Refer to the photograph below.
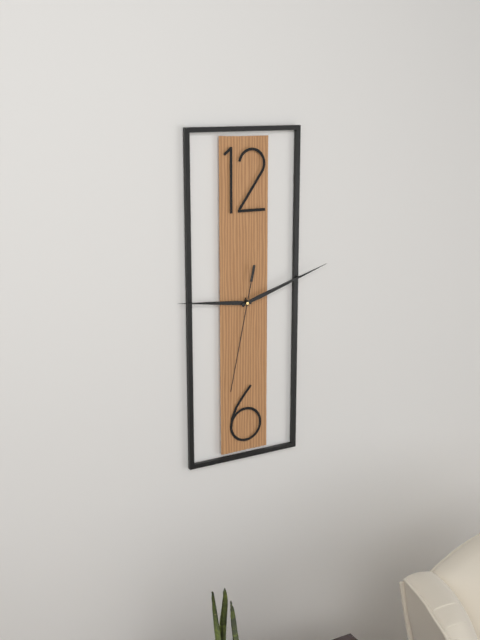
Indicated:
9,12,32
